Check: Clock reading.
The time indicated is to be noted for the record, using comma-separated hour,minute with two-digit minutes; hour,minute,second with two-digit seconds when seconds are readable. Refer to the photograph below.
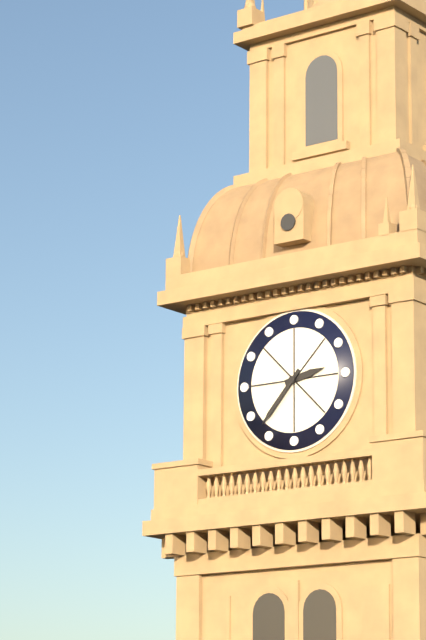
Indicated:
2,37
